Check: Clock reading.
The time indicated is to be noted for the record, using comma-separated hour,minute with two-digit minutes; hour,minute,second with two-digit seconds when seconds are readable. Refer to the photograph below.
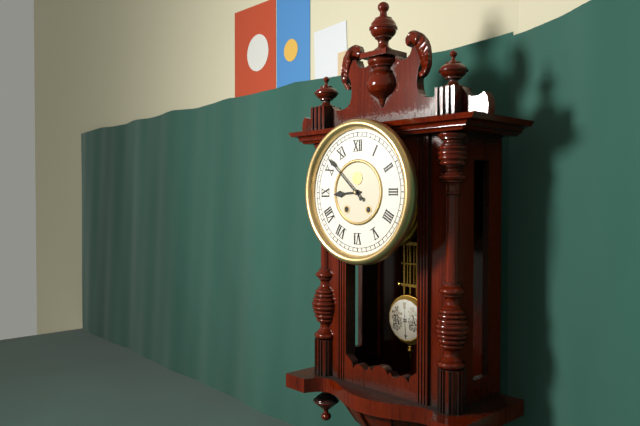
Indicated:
8,52
